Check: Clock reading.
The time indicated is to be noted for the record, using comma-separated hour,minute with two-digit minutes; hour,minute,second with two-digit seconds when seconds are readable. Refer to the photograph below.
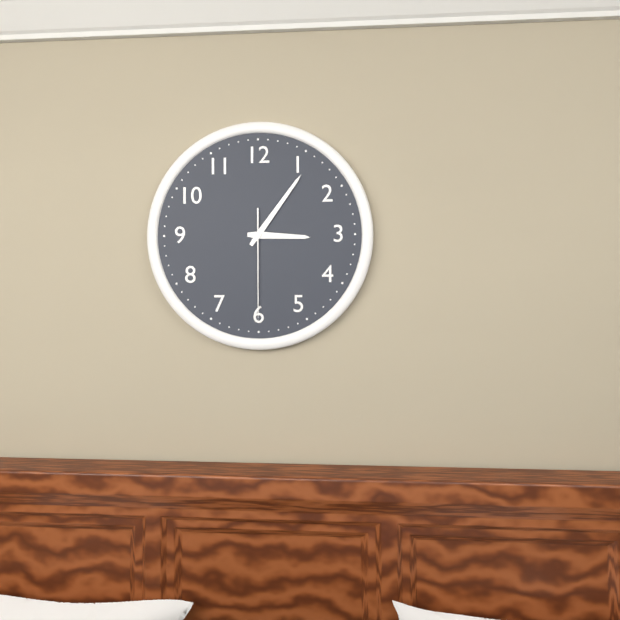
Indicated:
3,06,30
